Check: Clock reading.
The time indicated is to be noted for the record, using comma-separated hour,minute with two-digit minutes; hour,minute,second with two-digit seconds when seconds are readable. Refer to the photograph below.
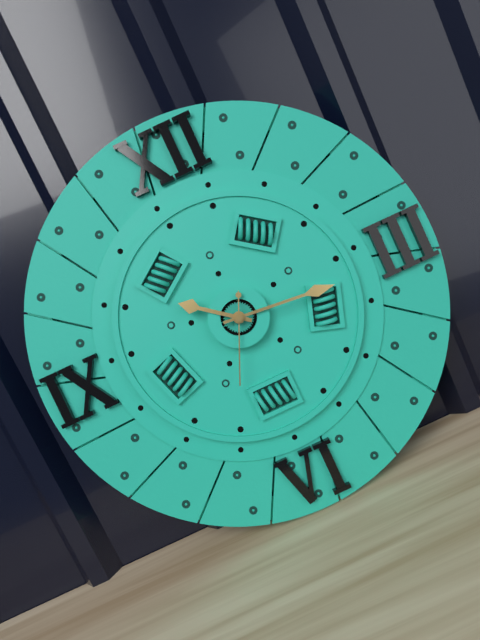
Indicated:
10,16,34
